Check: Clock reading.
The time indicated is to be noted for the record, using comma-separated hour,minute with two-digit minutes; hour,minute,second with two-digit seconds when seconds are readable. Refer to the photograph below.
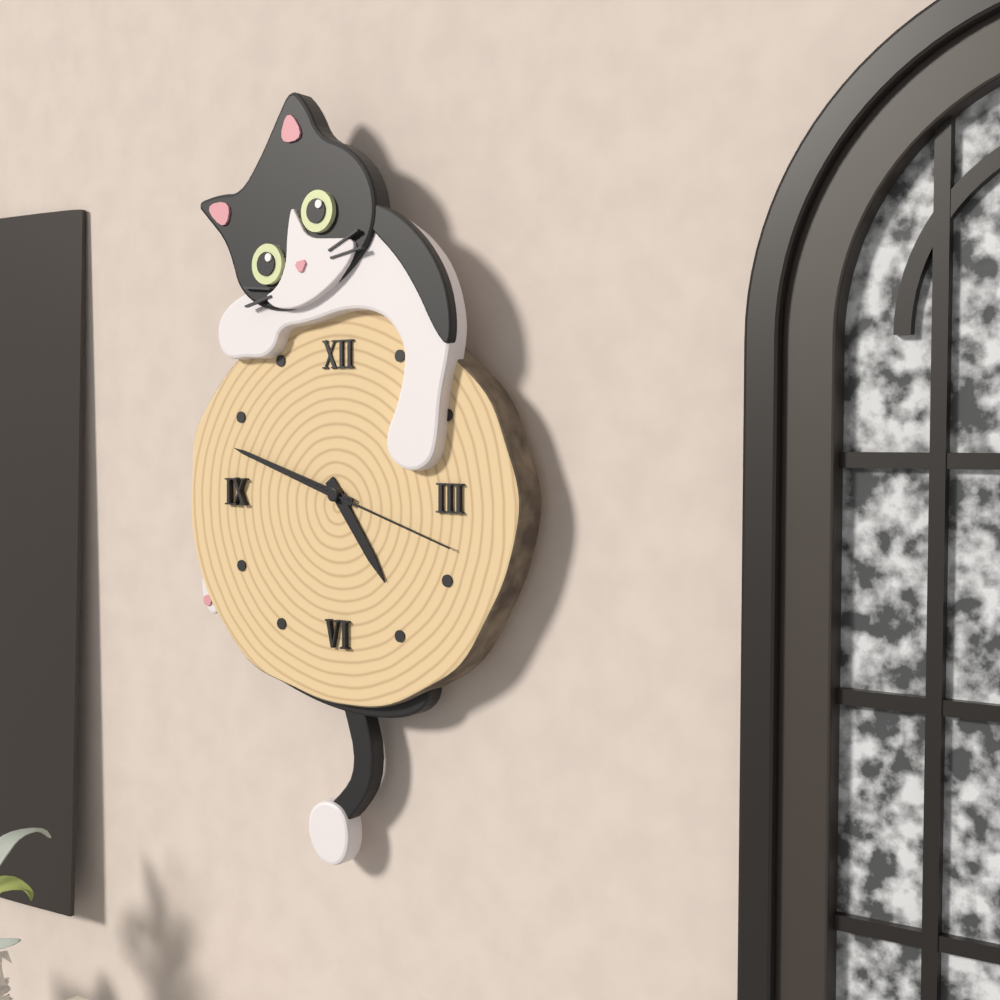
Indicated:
4,48,18
